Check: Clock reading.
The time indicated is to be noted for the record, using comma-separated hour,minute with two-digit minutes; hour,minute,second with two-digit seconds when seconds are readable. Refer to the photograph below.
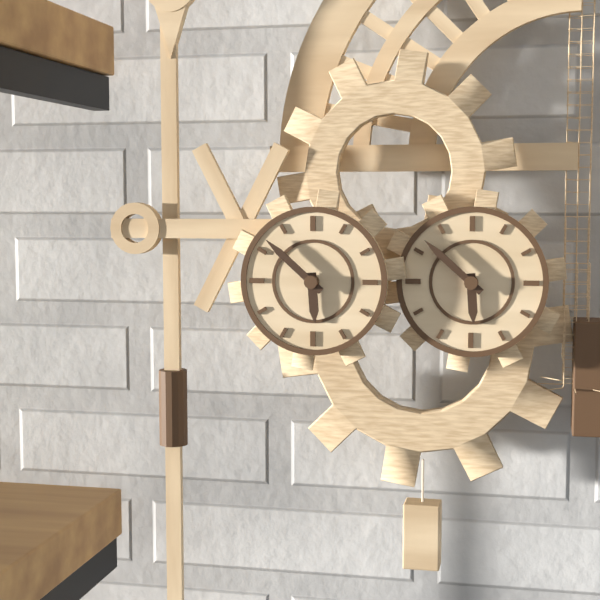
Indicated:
5,52
